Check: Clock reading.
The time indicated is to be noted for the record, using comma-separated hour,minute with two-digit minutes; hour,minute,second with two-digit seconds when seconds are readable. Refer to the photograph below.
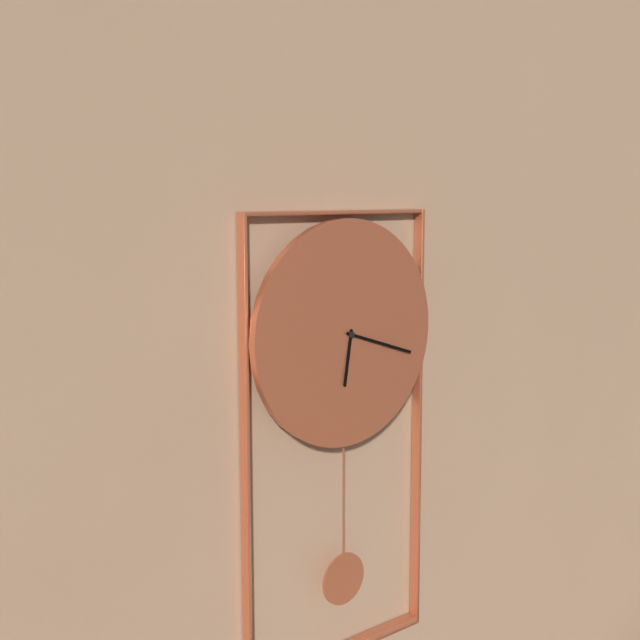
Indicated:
6,18
